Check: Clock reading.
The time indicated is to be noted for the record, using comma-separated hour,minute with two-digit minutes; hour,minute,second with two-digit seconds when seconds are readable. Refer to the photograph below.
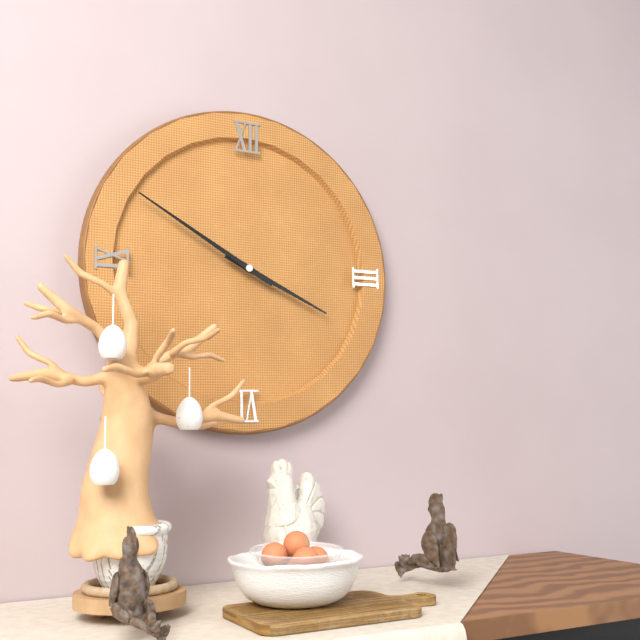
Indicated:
3,50
